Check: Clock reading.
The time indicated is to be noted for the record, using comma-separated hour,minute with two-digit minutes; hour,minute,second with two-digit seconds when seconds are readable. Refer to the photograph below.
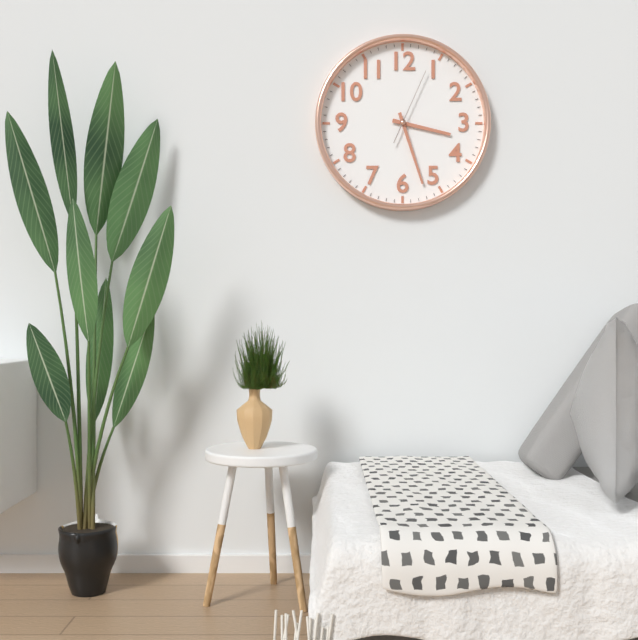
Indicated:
3,27,04
